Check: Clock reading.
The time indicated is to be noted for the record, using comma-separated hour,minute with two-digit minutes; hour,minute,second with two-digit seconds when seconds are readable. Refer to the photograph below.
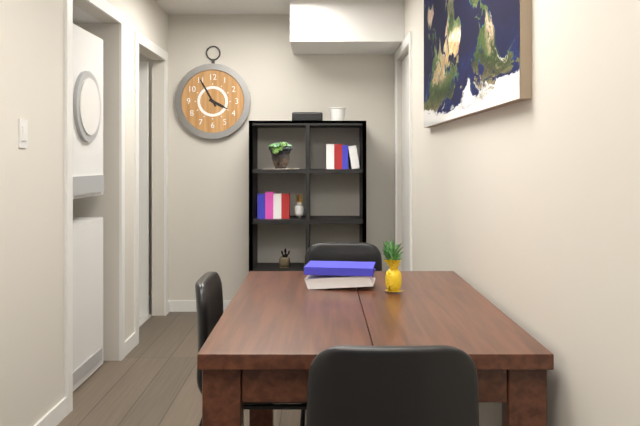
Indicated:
3,55
